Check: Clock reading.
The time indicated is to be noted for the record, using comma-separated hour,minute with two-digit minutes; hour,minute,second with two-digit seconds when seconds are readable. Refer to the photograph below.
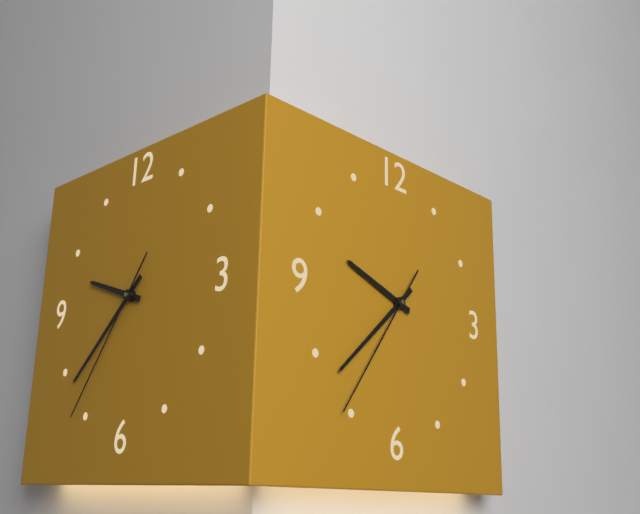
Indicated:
9,38,36
